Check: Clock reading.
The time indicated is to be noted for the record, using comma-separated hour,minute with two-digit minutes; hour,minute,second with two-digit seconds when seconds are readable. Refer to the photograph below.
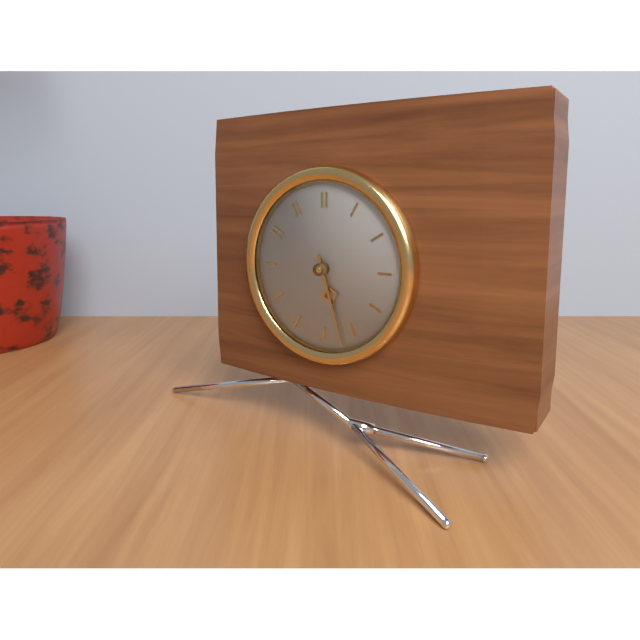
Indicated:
5,27
